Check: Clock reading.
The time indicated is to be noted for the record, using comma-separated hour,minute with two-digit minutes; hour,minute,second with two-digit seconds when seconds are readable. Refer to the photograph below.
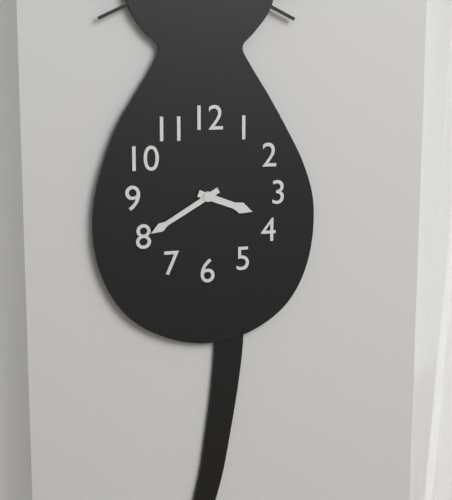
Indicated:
3,40
